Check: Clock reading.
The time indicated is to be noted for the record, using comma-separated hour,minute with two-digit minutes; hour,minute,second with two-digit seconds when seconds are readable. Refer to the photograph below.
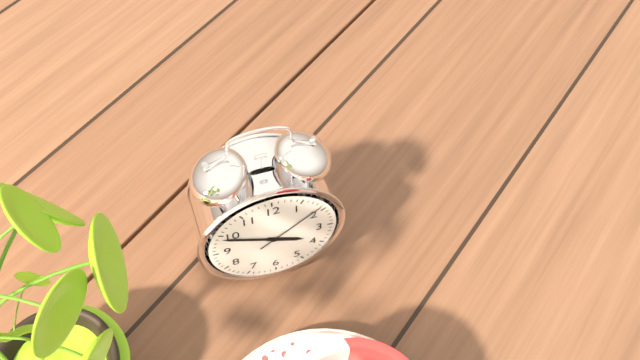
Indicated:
3,49,09
